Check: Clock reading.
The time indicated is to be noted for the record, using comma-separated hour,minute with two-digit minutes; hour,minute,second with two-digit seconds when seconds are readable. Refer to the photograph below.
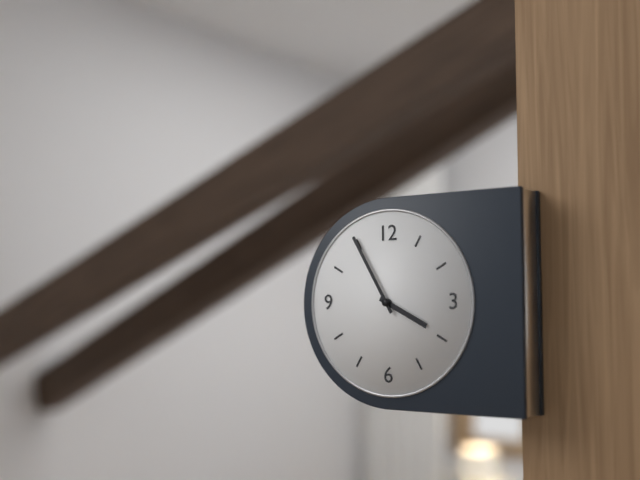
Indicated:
3,55
